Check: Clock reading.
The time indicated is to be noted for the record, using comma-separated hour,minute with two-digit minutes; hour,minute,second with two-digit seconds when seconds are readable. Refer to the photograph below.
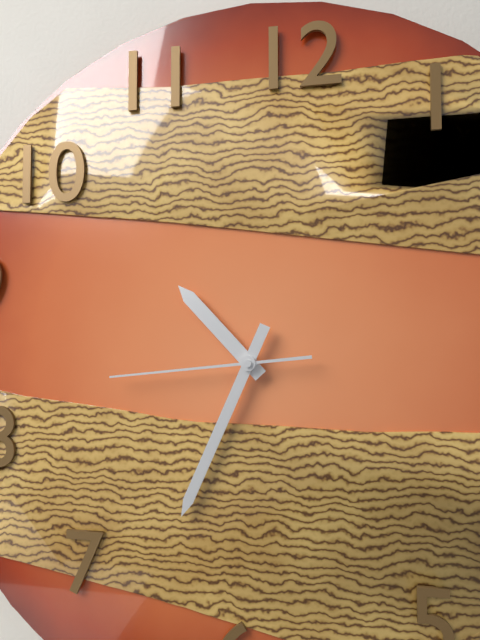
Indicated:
10,34,44
